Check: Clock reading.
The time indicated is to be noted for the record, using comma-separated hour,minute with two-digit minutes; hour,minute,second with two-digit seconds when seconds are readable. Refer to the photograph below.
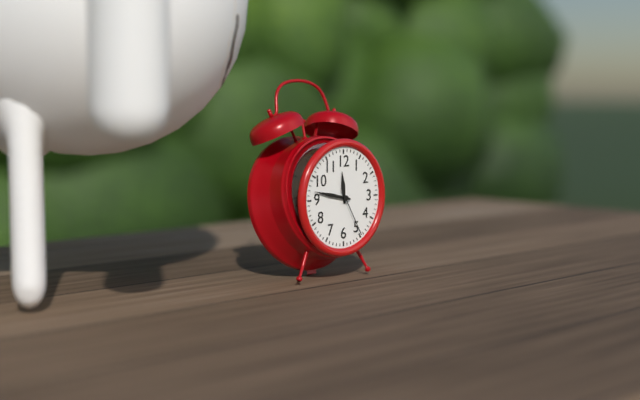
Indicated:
11,47,25
